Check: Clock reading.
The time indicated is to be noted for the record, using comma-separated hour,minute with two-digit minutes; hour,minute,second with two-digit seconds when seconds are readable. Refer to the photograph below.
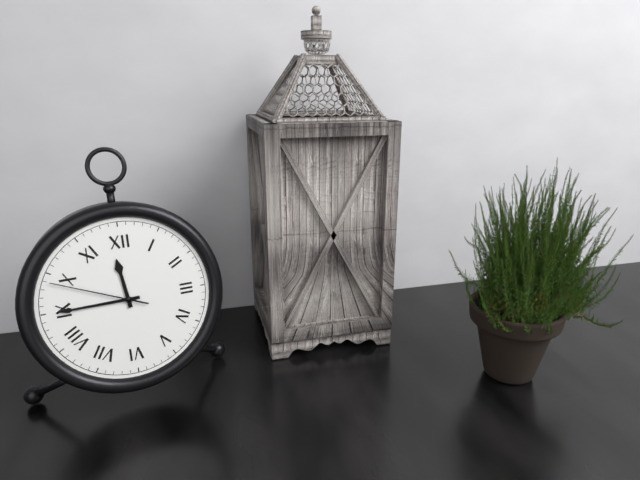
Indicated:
11,45,49
